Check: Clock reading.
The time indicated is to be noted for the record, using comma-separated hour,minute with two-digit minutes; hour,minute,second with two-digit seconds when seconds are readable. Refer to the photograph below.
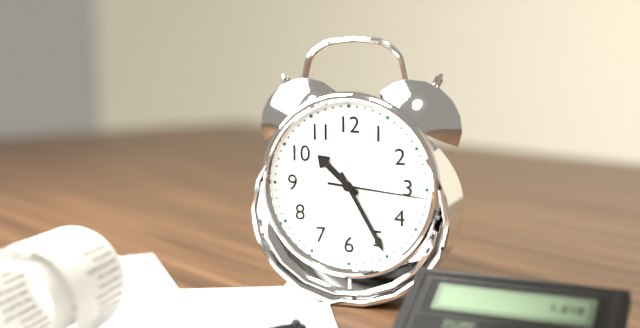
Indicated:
10,25,16
